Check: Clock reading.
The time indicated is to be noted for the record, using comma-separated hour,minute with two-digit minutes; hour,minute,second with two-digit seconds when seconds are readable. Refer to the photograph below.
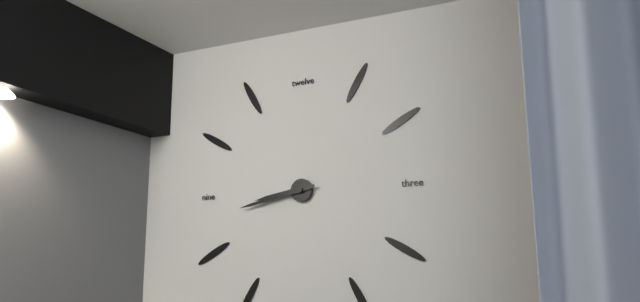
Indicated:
8,43
